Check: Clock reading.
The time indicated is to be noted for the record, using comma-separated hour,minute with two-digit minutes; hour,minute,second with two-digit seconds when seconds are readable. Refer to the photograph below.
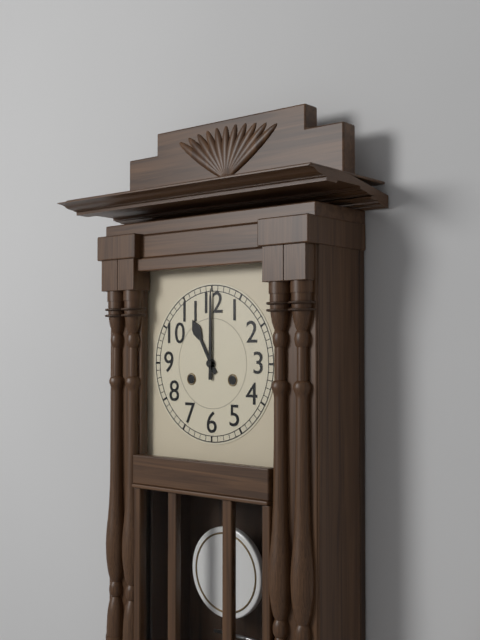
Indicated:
11,00
